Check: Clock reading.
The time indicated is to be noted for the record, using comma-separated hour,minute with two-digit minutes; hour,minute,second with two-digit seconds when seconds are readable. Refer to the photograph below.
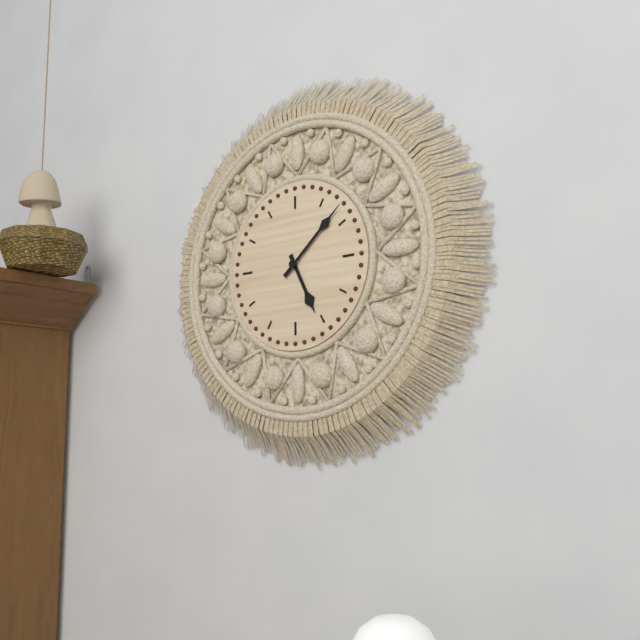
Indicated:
5,08
